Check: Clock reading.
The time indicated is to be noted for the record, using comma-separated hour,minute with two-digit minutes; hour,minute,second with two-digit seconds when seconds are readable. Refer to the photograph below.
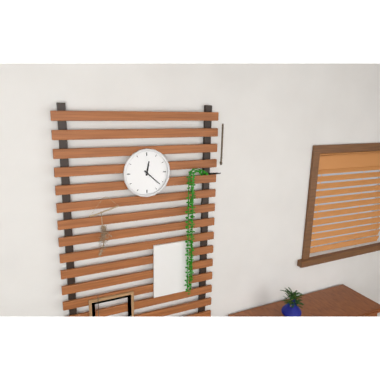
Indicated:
12,22
